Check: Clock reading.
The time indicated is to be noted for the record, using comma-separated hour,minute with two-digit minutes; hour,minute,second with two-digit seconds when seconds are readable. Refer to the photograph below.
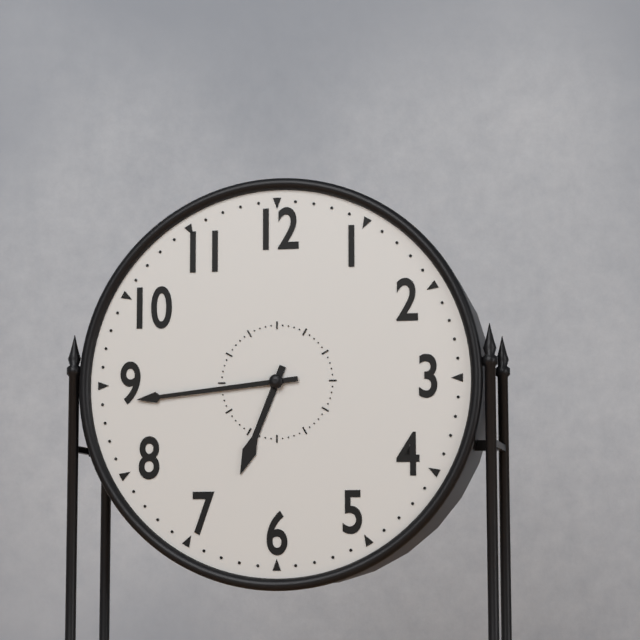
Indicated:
6,44
